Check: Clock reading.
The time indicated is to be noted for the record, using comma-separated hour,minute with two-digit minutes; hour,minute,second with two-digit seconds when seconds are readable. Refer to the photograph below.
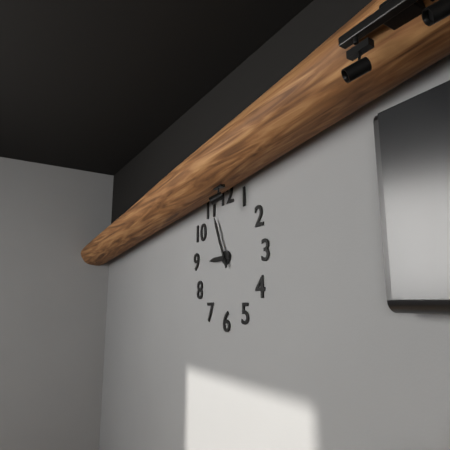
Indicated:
8,56
